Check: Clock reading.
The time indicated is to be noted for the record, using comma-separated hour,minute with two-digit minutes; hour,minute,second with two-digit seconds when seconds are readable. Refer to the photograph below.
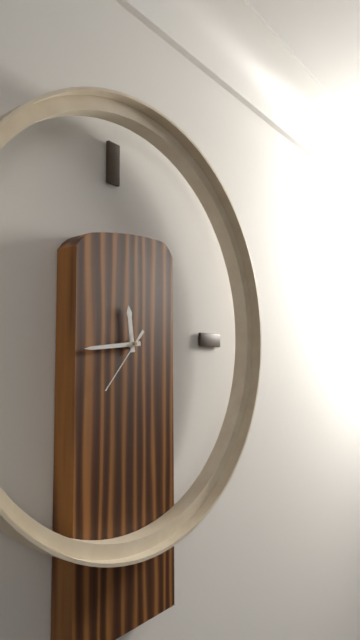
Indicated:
11,44,37
